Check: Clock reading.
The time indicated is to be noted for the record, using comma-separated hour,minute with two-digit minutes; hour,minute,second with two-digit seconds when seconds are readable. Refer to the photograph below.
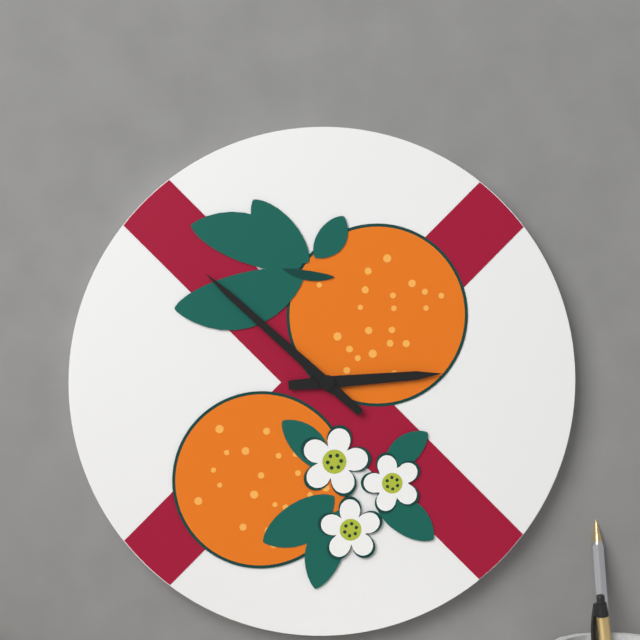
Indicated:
2,52
